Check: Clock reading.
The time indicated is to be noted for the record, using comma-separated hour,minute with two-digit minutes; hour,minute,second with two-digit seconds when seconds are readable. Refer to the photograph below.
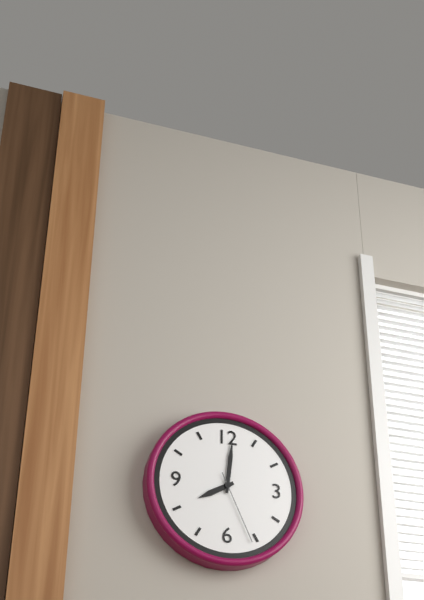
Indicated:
8,01,26
